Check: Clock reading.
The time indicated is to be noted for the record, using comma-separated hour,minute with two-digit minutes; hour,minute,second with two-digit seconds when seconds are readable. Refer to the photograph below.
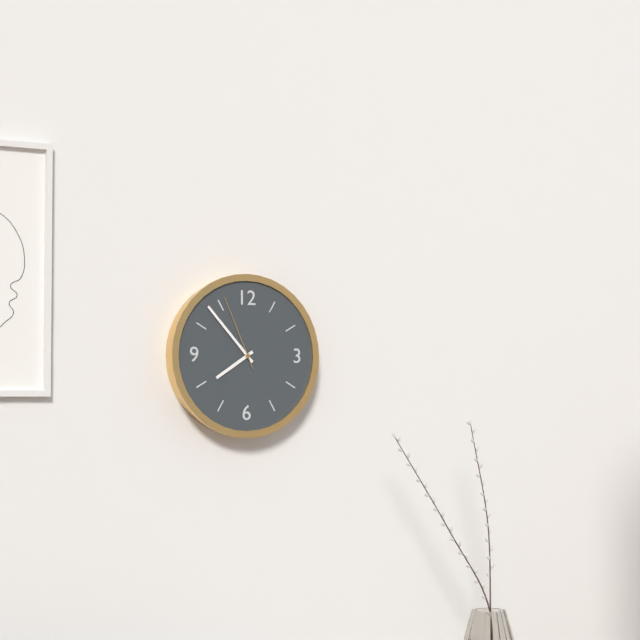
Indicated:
7,53,56
